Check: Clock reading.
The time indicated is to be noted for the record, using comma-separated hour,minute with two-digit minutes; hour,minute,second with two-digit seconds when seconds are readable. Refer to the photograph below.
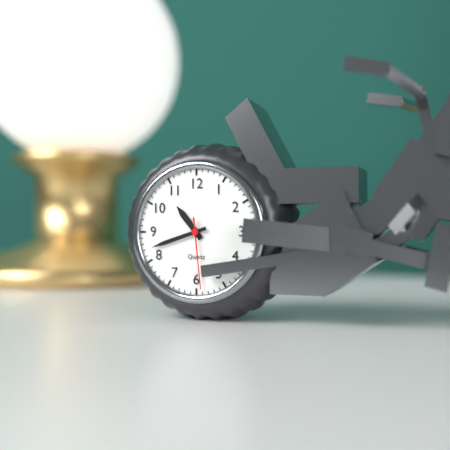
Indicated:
10,42,29
